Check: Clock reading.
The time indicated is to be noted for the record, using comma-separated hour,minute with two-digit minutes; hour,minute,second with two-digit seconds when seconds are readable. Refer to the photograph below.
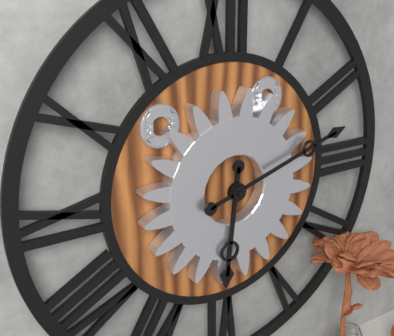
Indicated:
6,12
